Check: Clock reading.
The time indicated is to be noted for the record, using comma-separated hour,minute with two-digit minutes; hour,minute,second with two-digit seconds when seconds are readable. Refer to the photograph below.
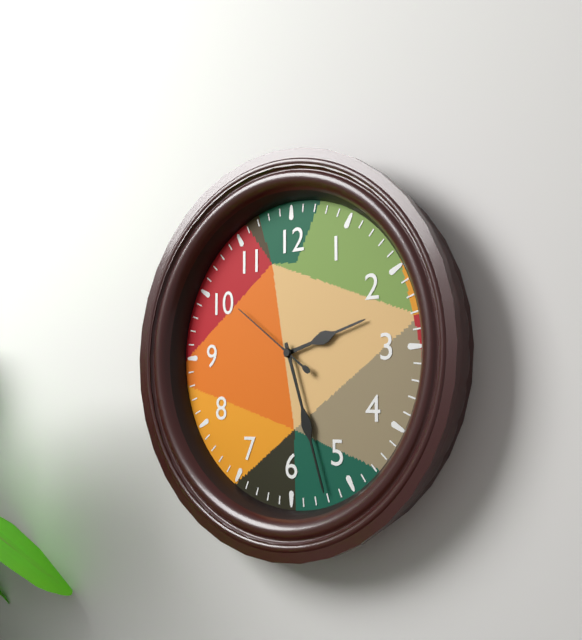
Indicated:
2,27,51
